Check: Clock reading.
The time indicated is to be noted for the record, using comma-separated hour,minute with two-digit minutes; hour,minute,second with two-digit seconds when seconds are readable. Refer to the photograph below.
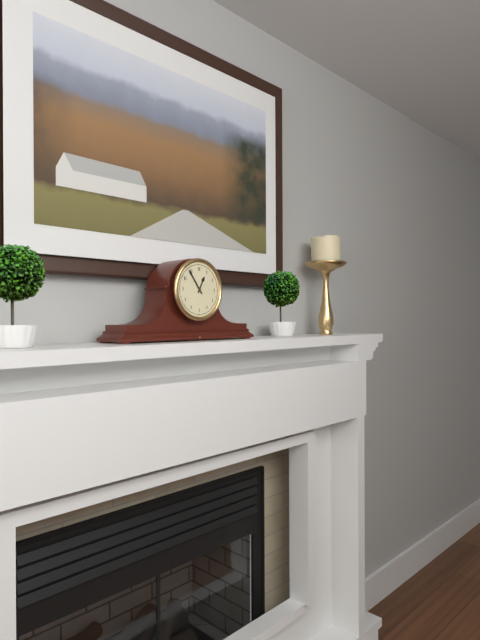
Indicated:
12,54
